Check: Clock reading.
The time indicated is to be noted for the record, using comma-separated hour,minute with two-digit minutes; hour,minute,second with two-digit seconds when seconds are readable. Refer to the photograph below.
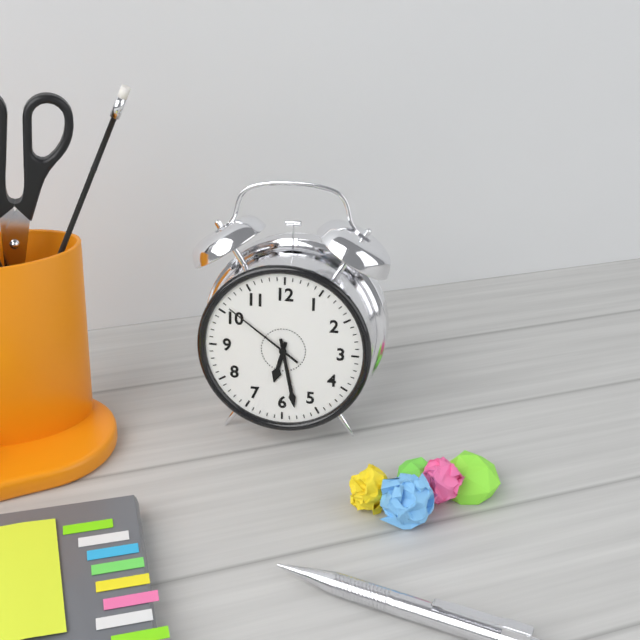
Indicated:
6,28,51
